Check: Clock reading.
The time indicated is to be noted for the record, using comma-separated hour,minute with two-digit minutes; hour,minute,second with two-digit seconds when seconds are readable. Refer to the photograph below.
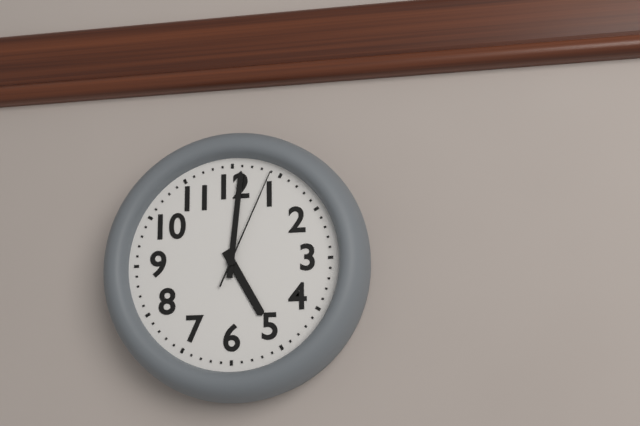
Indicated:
5,01,04
